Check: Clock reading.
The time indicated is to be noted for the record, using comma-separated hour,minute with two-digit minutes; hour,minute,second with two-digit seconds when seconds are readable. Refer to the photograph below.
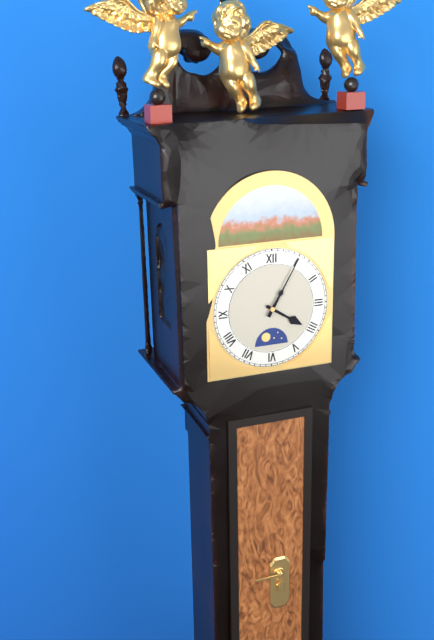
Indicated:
4,05
